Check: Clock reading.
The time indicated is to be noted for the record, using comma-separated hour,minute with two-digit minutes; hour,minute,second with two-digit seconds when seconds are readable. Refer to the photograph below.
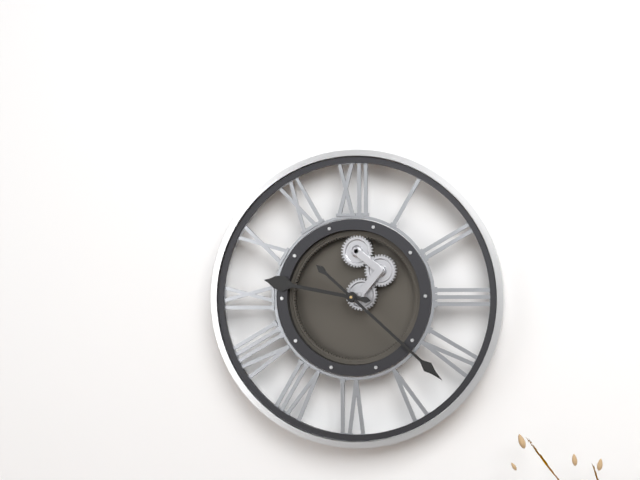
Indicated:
9,22
